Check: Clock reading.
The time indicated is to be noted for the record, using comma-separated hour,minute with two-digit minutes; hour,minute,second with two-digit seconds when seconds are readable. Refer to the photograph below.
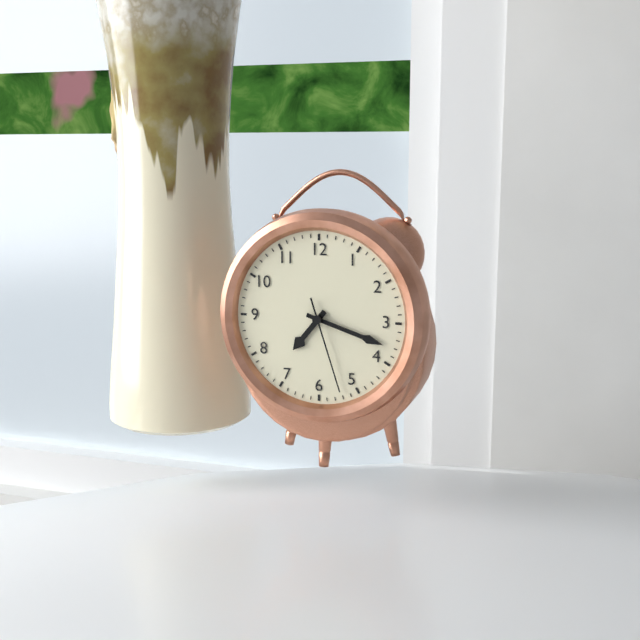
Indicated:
7,18,27
